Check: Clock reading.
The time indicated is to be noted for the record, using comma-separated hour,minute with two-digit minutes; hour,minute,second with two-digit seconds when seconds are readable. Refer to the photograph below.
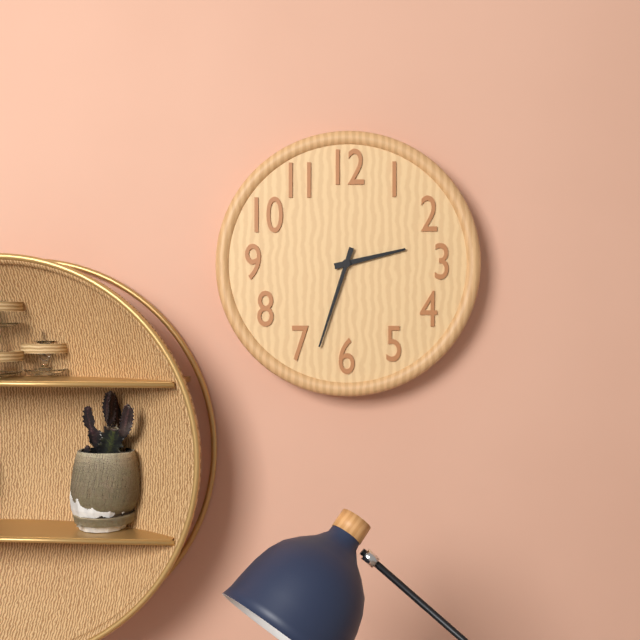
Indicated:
2,33
